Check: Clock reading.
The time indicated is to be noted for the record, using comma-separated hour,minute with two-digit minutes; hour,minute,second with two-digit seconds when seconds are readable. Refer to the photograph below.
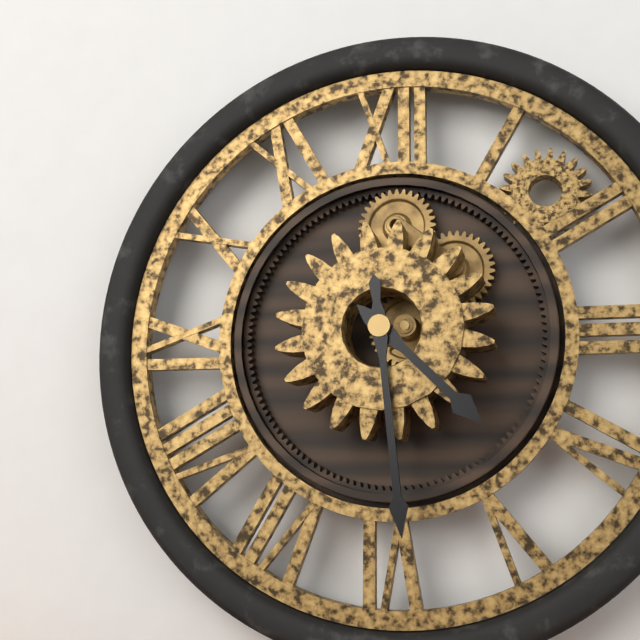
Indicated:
4,29
